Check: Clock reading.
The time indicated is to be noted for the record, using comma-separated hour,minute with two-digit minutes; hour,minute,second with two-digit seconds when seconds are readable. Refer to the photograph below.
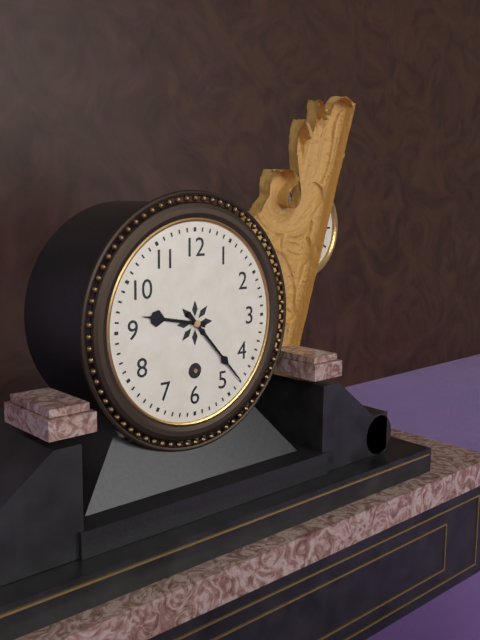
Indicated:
9,23
